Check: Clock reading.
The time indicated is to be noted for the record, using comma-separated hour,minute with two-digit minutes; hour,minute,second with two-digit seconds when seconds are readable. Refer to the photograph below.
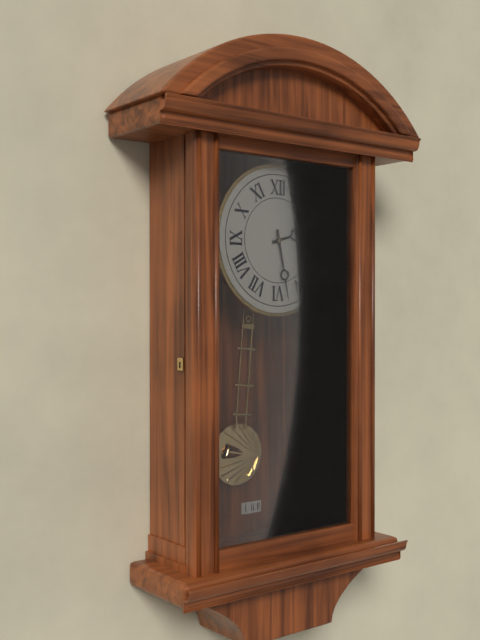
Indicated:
2,28
